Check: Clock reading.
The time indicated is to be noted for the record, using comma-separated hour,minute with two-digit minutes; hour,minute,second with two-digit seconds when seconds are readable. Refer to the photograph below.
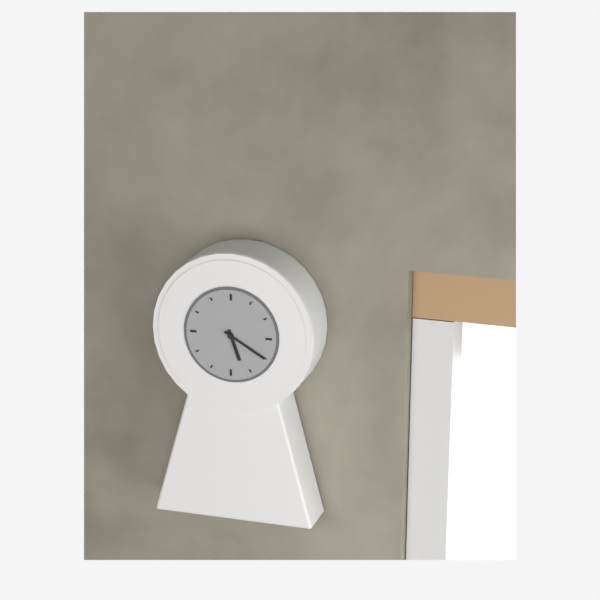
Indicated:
5,20
